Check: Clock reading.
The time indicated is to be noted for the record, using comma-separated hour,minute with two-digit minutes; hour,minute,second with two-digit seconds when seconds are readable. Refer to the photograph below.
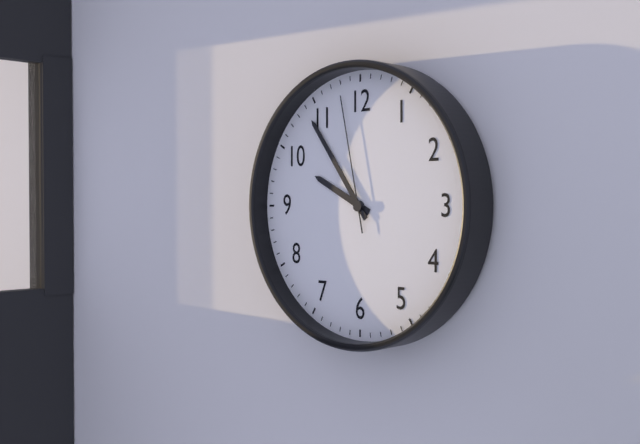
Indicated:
9,54,58
